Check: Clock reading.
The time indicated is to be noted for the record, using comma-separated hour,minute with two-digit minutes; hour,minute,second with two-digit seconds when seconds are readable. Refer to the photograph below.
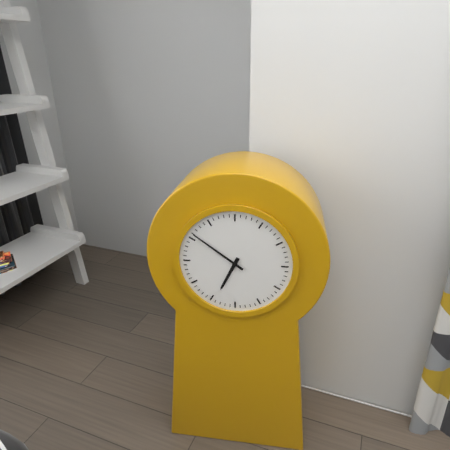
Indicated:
6,51
